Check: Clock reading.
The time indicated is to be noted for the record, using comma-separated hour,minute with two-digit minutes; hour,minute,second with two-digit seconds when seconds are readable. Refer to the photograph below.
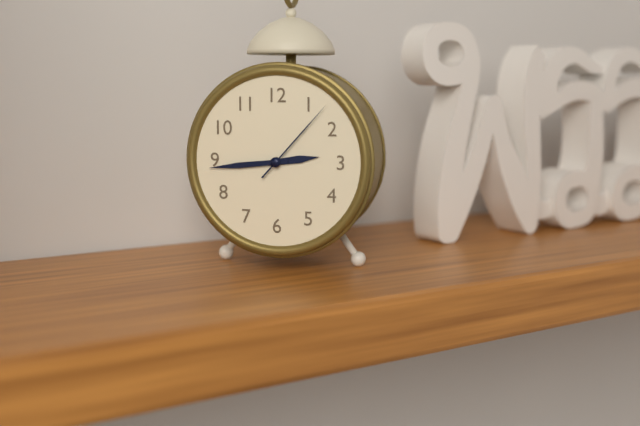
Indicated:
2,44,07
